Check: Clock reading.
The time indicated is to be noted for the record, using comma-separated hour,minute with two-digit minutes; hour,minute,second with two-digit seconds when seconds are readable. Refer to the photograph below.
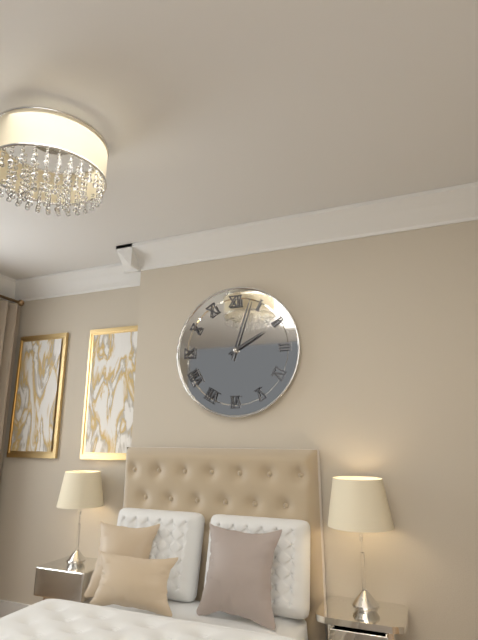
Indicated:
2,03
